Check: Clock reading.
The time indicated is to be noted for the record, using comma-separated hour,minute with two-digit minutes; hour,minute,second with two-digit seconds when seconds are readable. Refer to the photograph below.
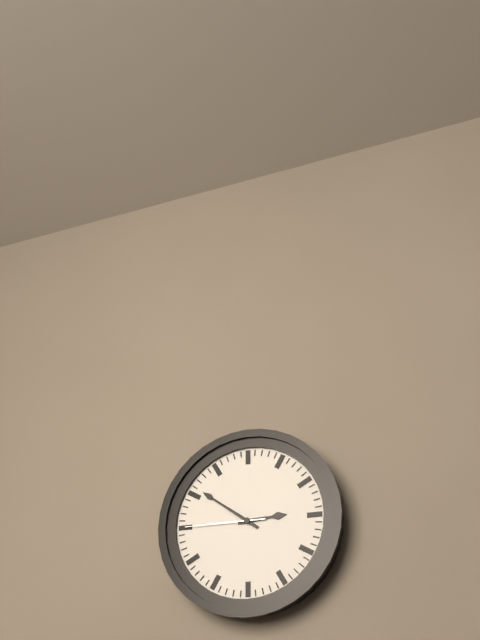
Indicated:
2,51,45
